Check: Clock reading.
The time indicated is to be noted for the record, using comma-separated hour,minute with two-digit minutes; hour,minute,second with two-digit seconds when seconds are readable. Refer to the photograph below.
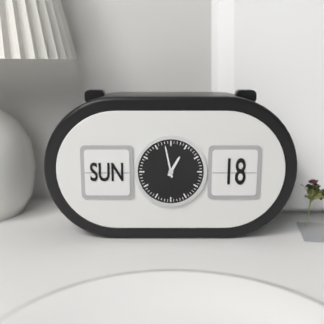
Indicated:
12,58
